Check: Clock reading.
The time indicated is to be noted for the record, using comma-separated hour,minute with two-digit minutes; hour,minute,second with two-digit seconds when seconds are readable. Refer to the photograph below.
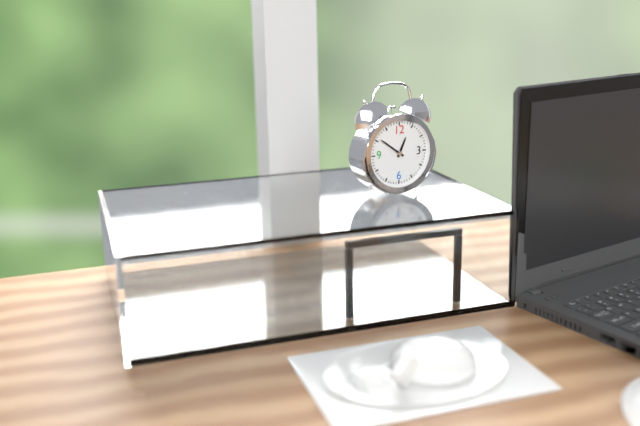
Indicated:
12,51
